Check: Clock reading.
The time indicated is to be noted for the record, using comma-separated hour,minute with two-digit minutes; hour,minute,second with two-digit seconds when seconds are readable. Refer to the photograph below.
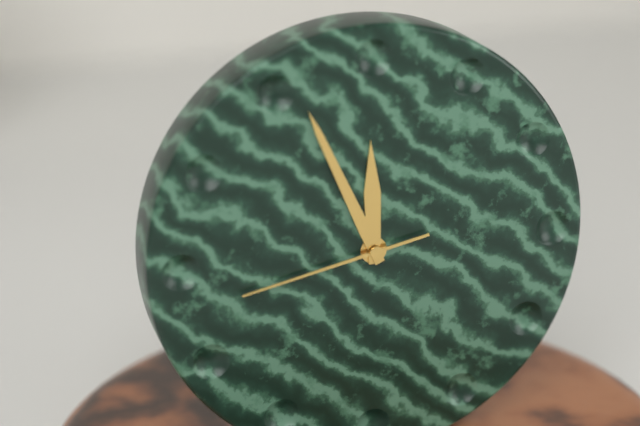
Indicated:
11,56,43
